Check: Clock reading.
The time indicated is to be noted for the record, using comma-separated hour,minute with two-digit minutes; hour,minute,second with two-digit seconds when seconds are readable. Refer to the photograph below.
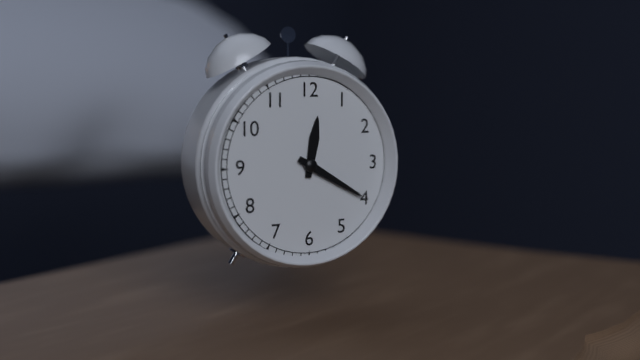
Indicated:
12,20
